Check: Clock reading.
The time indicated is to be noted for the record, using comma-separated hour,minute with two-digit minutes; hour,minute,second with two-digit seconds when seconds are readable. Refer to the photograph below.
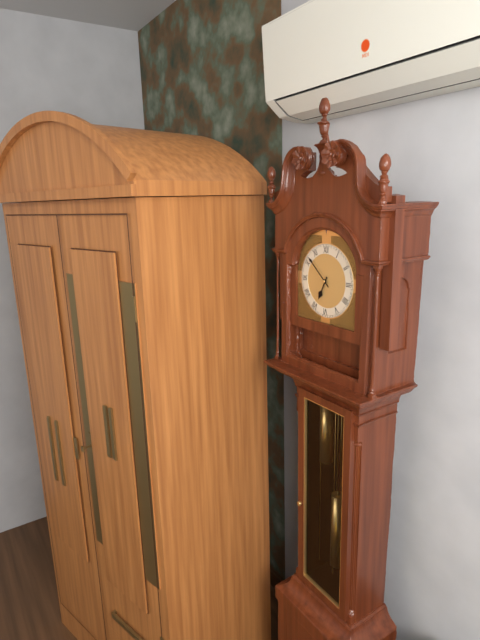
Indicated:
6,52
